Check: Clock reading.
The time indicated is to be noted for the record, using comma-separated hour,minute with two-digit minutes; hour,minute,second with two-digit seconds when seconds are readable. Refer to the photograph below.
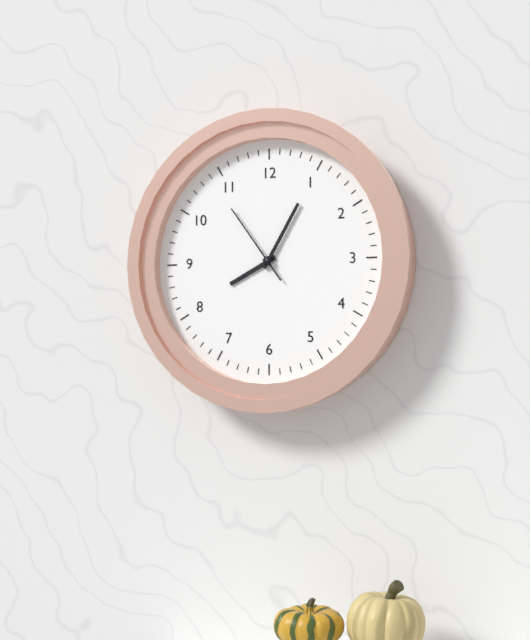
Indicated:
8,05,54
